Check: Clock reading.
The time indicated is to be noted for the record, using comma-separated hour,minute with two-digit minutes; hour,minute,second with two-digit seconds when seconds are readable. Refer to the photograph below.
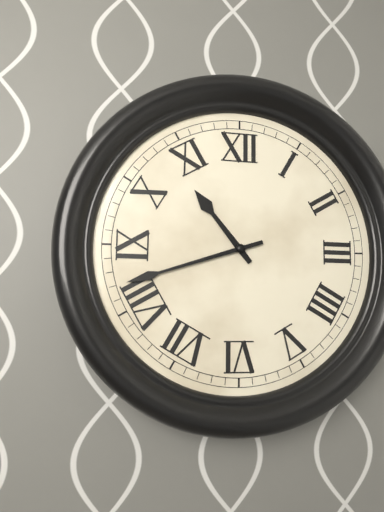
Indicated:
10,42
